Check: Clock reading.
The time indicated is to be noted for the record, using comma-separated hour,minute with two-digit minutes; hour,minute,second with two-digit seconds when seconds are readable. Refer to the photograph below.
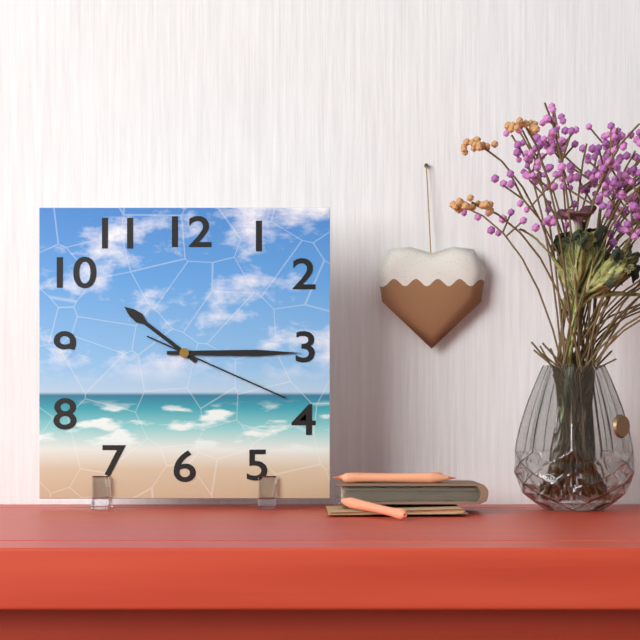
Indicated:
10,15,19
